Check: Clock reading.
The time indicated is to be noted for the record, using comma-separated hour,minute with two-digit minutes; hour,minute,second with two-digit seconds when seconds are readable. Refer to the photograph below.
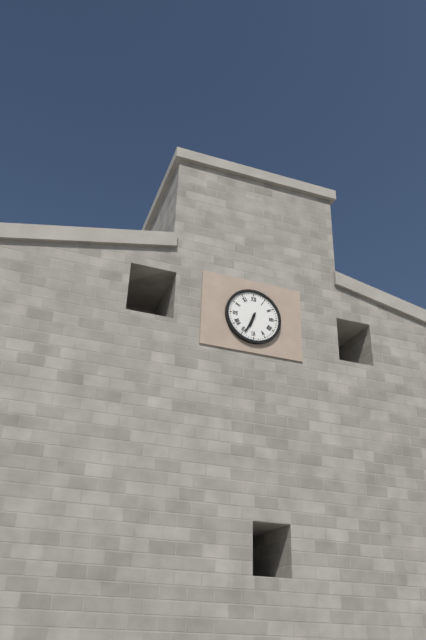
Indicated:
6,34
